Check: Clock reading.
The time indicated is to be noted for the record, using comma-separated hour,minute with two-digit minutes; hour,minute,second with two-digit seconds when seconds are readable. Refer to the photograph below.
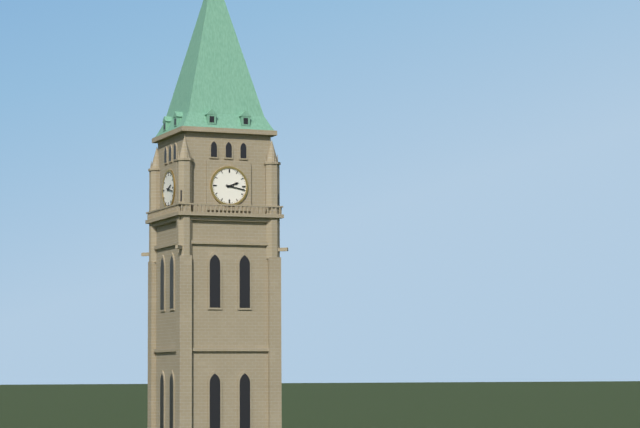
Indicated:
2,17
